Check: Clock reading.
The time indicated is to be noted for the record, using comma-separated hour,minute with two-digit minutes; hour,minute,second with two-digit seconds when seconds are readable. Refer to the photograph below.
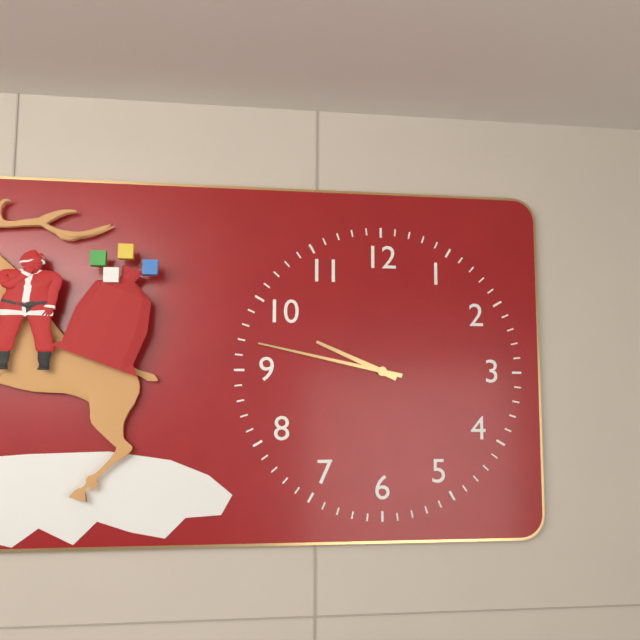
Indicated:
9,47
